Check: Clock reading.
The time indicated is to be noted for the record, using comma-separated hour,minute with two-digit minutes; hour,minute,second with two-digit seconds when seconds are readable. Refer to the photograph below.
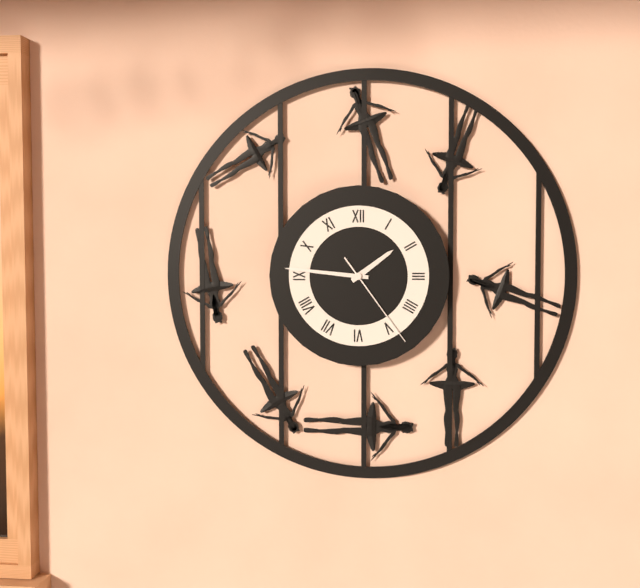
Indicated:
1,46,24
